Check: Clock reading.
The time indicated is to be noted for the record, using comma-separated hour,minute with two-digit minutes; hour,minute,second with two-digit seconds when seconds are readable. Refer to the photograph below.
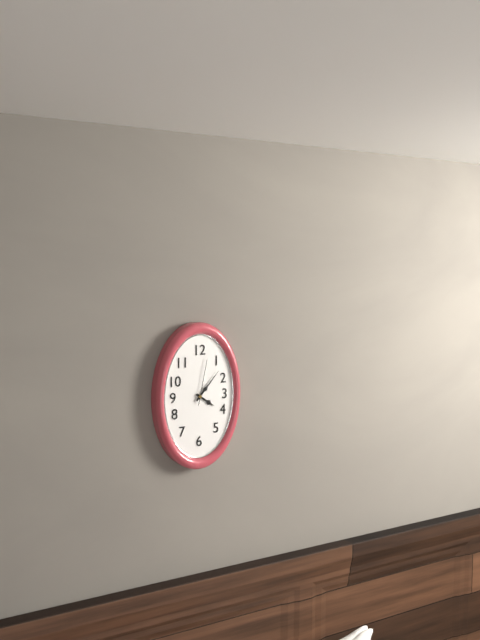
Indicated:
4,07
